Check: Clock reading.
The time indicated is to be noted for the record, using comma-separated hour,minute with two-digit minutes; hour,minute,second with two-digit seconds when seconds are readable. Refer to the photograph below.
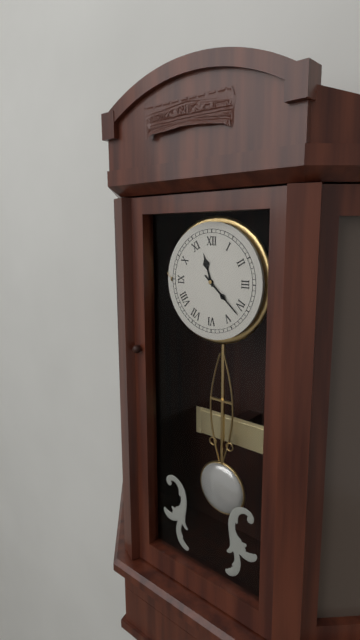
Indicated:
11,22
